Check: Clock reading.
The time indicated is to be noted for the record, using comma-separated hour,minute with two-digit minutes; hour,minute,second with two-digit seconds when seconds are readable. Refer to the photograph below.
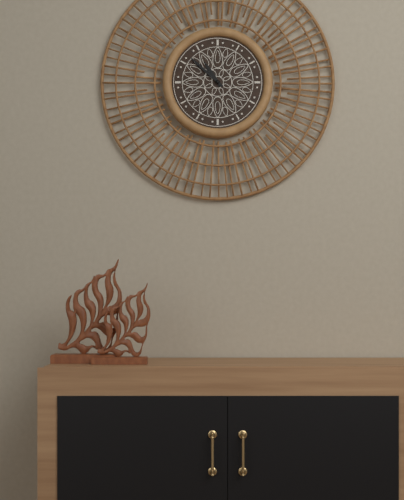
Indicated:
10,52
